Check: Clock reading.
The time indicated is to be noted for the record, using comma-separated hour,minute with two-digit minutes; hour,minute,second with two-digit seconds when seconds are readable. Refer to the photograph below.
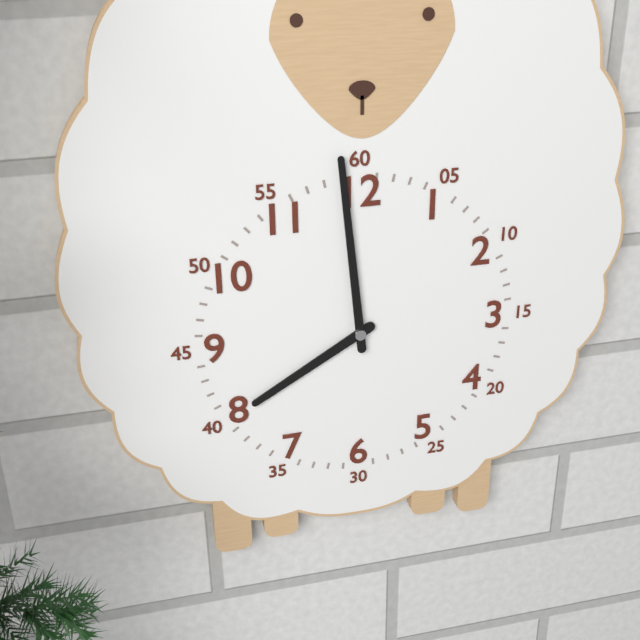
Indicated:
7,59
